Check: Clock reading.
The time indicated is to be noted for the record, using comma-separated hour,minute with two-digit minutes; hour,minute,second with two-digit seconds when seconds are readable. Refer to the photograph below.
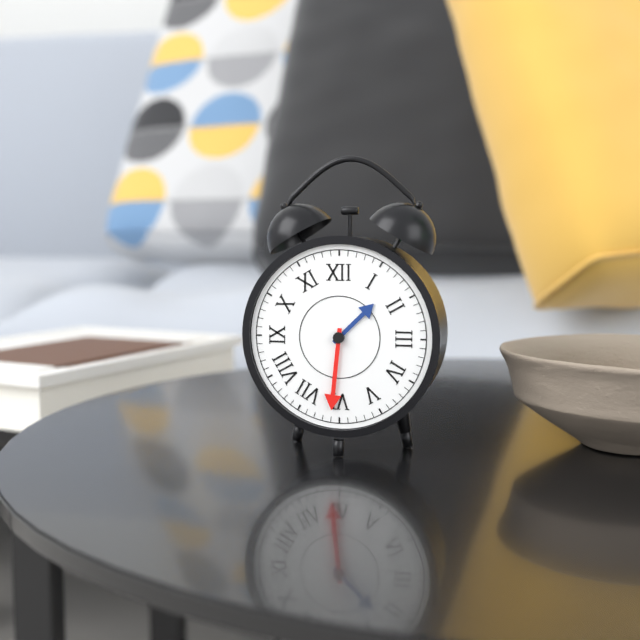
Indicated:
1,31
